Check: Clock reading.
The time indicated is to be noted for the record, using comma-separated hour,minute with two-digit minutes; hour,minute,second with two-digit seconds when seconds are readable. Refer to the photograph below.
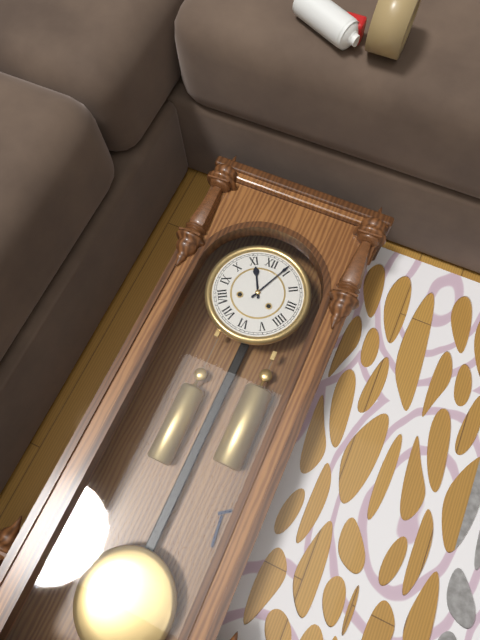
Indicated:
11,04
